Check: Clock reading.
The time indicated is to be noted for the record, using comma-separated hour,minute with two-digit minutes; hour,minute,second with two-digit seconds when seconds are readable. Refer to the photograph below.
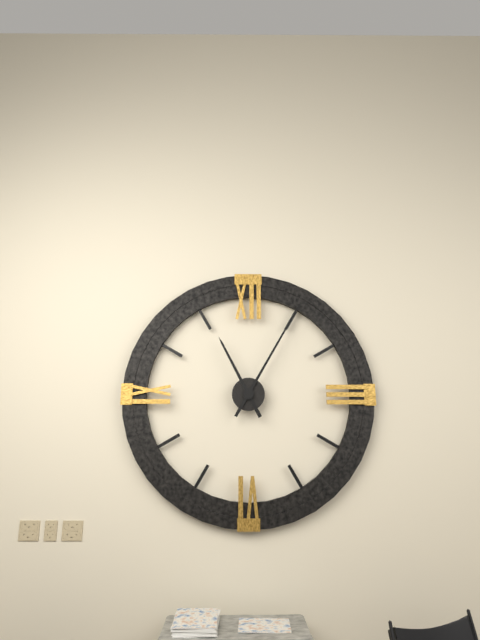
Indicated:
11,05
